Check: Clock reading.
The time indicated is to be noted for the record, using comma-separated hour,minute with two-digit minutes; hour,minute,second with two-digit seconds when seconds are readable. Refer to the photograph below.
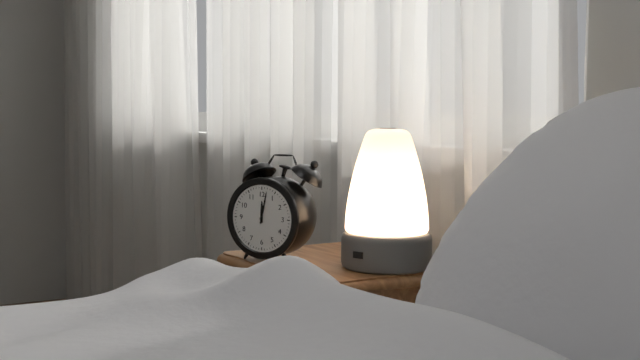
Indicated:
12,02
